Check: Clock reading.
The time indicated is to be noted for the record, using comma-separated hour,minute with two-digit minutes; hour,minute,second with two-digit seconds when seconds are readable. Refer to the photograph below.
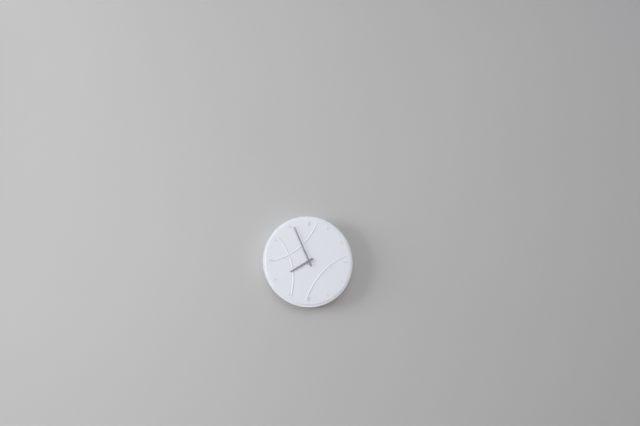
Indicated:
7,56
